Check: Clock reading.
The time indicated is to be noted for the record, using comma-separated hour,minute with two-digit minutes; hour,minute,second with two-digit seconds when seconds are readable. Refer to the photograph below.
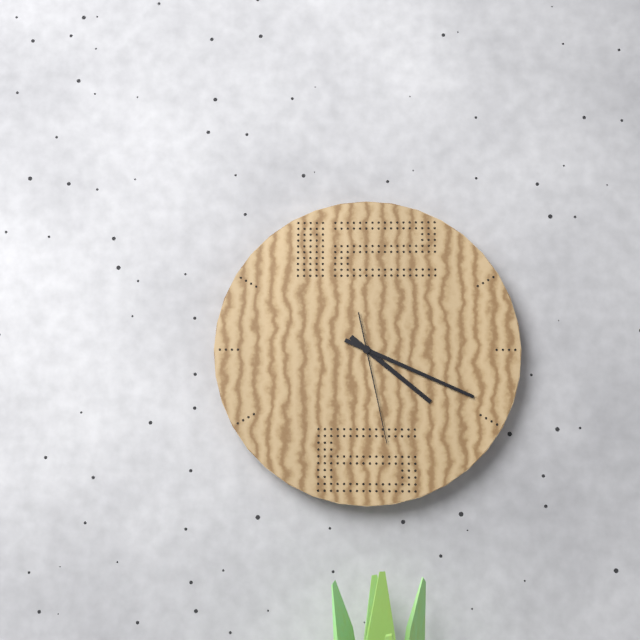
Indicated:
4,19,28
